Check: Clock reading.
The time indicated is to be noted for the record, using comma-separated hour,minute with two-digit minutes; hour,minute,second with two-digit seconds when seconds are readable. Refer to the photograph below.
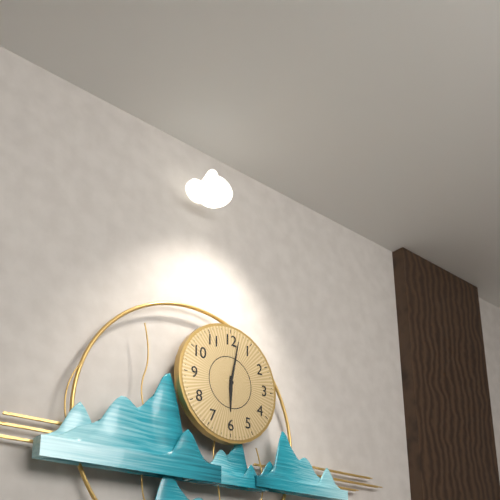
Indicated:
6,02
